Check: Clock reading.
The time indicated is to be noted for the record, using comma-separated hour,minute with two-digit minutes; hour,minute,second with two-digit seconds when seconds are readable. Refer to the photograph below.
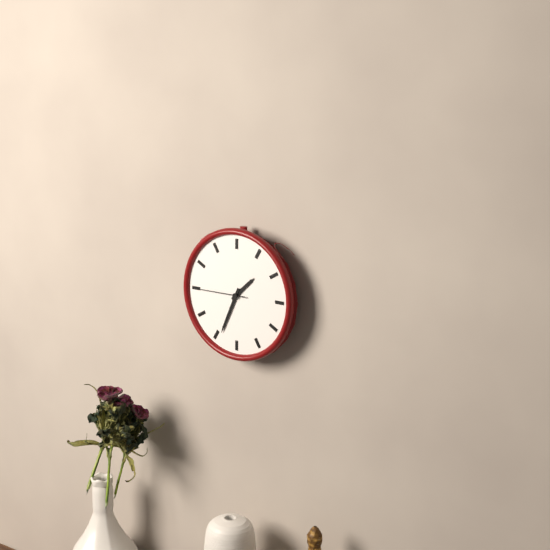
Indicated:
1,34,45
